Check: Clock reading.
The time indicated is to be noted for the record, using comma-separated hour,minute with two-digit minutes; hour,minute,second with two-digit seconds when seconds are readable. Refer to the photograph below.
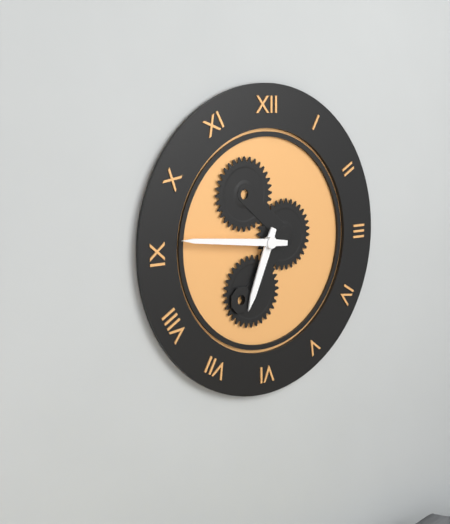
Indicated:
6,46
